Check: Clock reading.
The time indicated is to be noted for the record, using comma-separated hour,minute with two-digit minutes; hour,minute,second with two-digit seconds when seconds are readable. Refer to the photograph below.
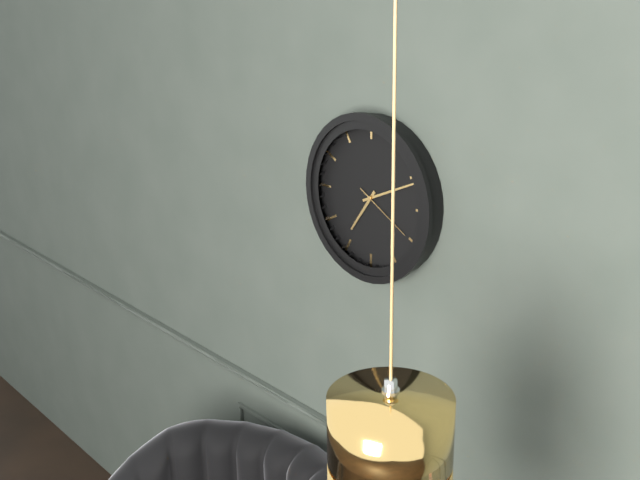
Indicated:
7,11,20
